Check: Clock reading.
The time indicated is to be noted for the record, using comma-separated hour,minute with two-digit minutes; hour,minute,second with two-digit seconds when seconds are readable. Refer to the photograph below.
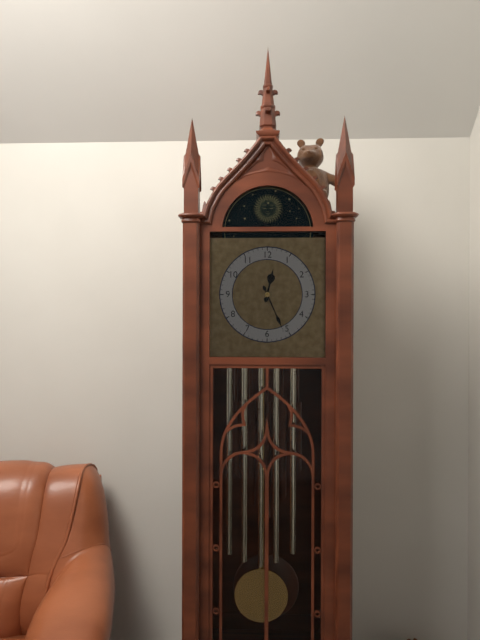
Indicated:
12,26
